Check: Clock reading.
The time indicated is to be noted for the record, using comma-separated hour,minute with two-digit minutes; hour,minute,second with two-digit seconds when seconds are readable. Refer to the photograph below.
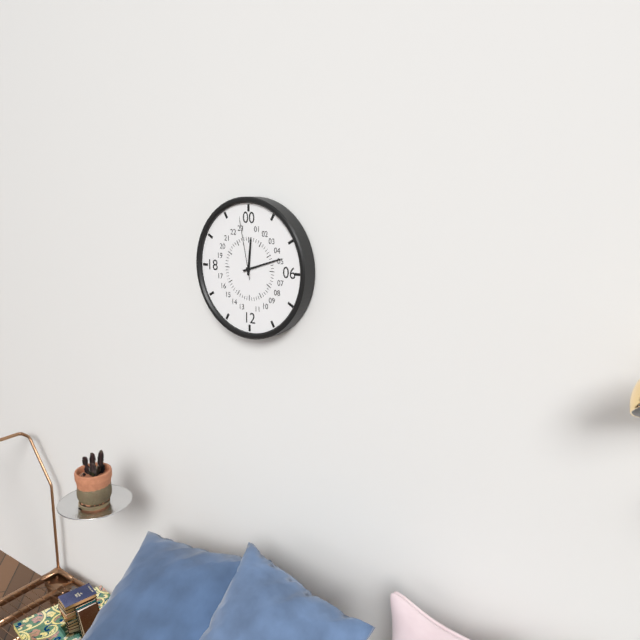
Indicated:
12,12,58
